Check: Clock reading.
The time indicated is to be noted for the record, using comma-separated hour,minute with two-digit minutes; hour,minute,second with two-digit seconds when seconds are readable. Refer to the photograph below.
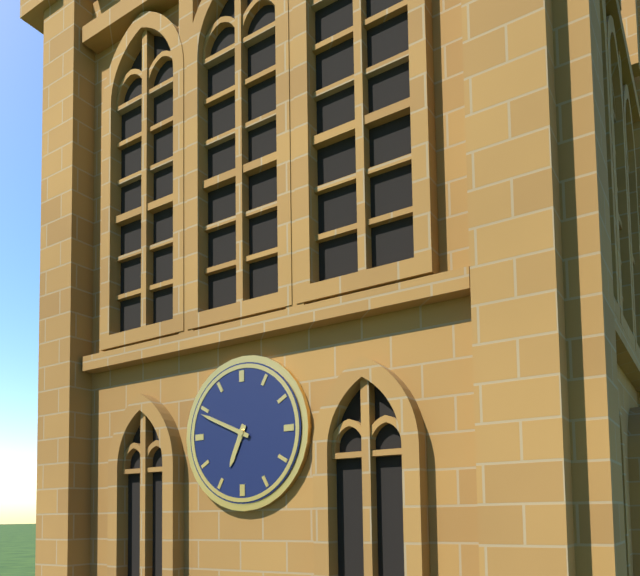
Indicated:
6,49
